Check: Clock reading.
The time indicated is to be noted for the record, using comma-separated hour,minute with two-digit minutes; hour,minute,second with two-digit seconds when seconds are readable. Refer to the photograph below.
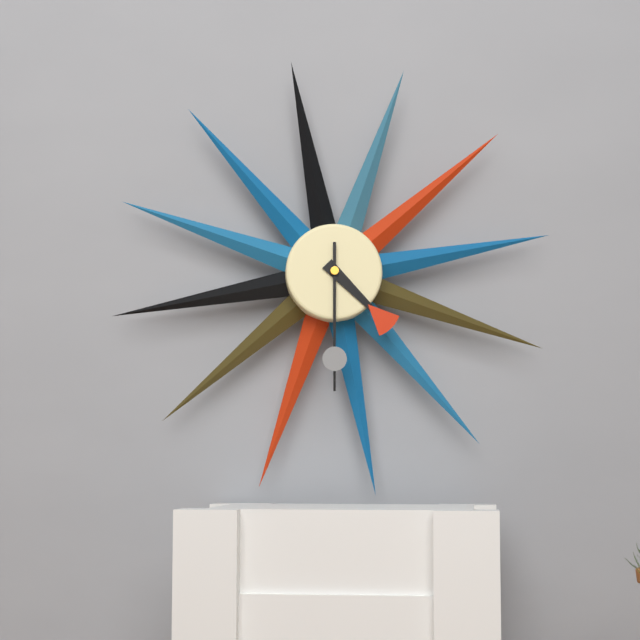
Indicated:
4,30
